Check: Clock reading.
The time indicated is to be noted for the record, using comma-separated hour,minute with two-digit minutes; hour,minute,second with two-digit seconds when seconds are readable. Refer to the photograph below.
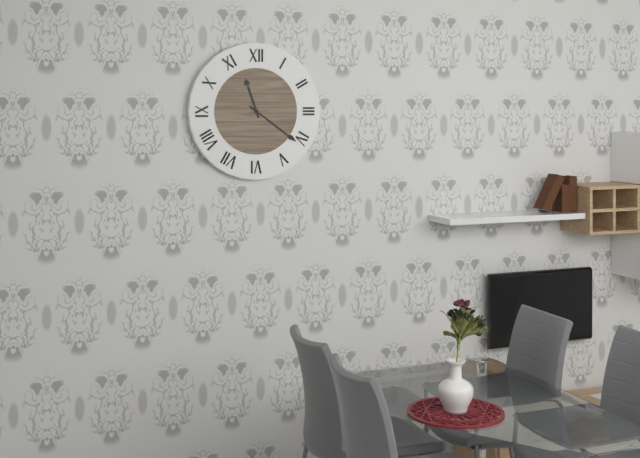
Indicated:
11,21
